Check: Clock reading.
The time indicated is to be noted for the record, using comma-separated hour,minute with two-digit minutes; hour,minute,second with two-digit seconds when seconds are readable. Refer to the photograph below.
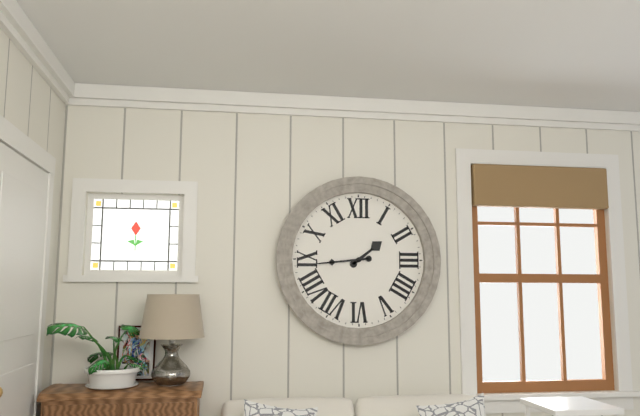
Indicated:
1,44
